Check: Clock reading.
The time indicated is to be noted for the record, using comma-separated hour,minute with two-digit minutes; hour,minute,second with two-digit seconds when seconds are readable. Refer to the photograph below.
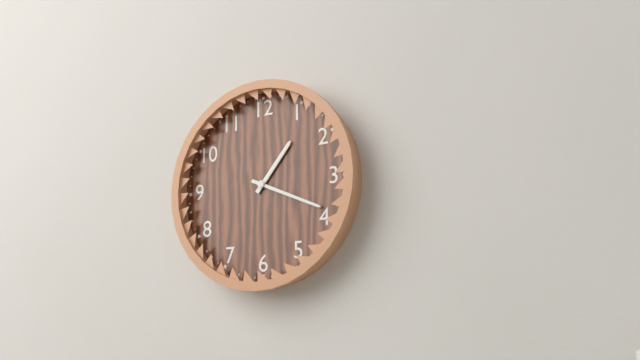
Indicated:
1,19
